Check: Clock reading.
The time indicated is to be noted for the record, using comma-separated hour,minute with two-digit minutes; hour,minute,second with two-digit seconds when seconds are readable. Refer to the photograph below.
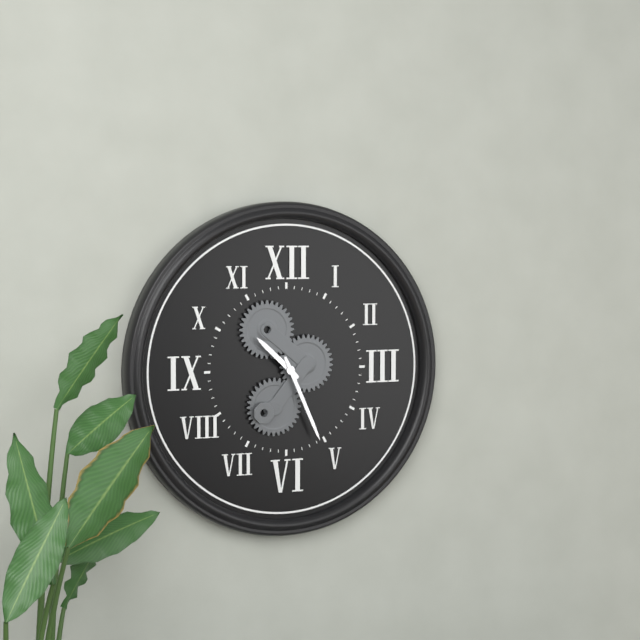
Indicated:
10,26
